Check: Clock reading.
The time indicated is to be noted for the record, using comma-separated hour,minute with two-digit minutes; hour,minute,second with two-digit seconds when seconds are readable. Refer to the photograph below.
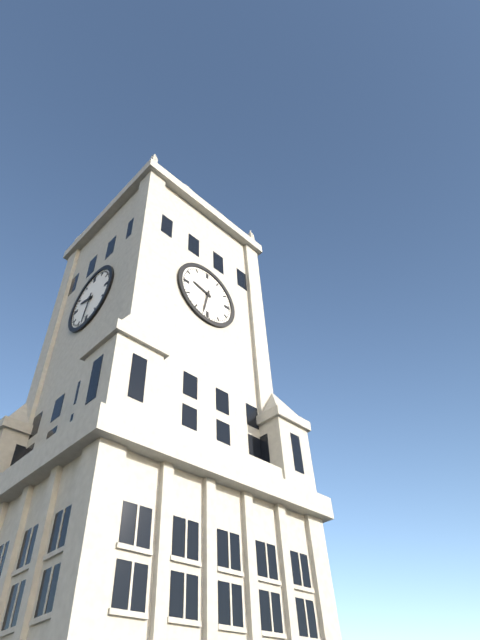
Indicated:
9,32
